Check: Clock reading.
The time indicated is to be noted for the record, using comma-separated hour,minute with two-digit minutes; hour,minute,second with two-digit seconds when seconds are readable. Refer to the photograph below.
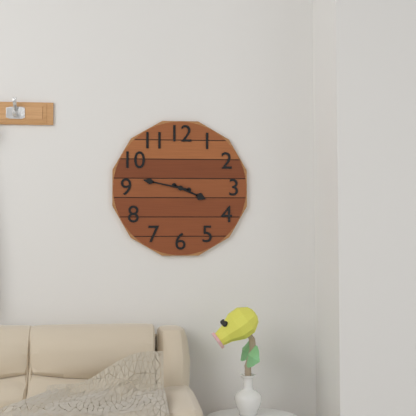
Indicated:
3,47
